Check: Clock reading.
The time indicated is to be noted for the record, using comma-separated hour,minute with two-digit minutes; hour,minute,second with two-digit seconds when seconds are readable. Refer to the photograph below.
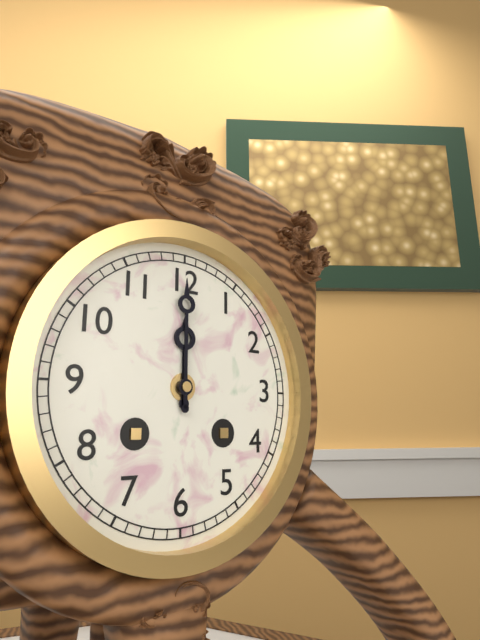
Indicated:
12,00
